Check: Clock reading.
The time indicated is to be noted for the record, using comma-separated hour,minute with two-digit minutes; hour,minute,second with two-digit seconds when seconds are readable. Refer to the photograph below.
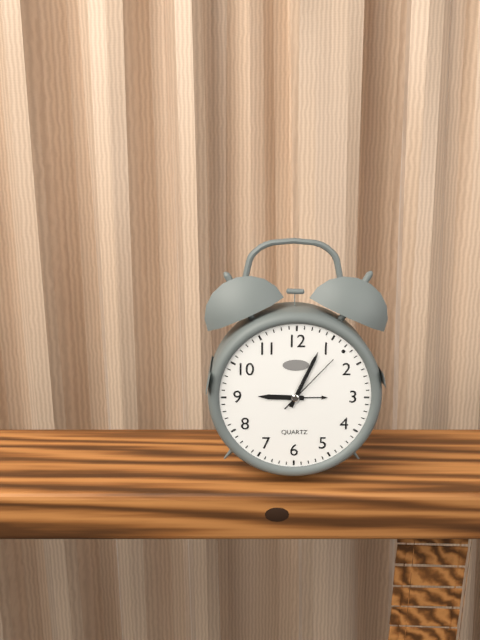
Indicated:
9,04,07
